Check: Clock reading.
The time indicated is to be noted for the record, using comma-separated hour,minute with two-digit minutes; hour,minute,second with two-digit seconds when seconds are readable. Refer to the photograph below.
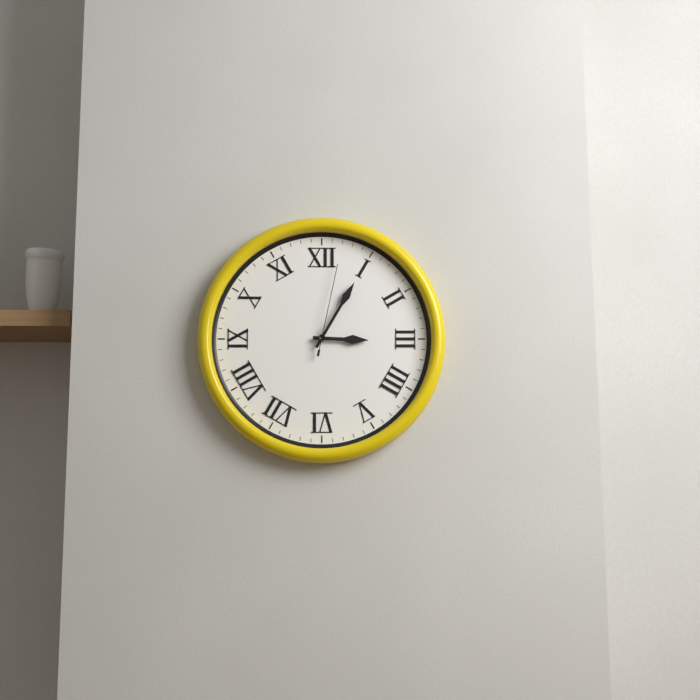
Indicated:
3,05,02
